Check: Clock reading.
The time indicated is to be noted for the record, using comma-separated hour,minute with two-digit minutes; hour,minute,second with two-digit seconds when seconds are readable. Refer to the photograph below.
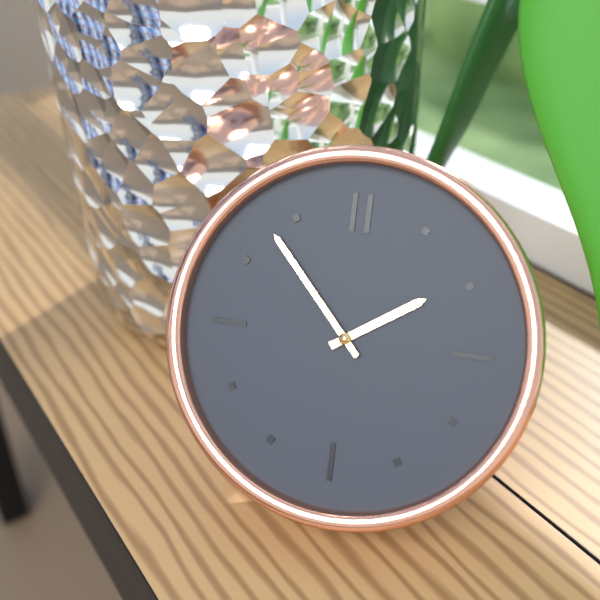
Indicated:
1,53
